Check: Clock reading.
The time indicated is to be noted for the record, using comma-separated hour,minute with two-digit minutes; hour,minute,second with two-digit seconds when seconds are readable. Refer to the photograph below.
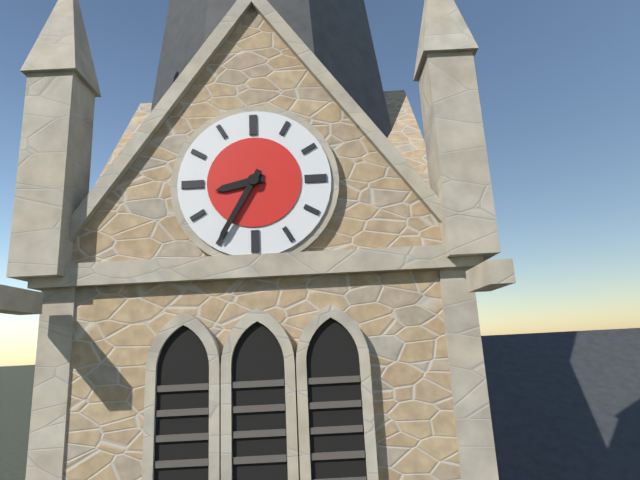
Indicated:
8,35
